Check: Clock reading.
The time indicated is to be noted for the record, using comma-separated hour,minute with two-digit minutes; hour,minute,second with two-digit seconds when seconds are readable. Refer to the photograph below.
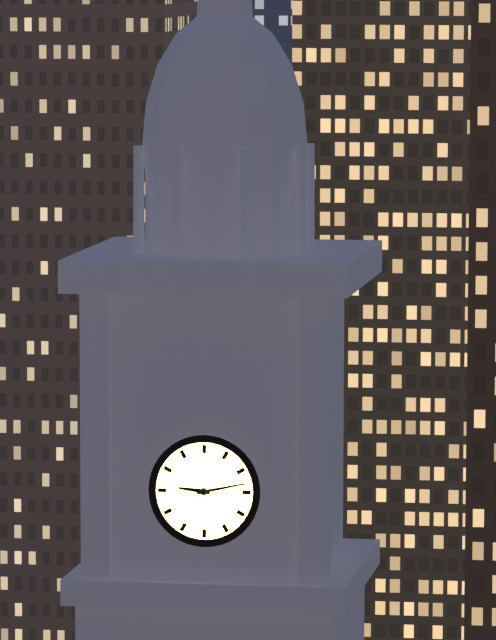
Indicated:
9,13
